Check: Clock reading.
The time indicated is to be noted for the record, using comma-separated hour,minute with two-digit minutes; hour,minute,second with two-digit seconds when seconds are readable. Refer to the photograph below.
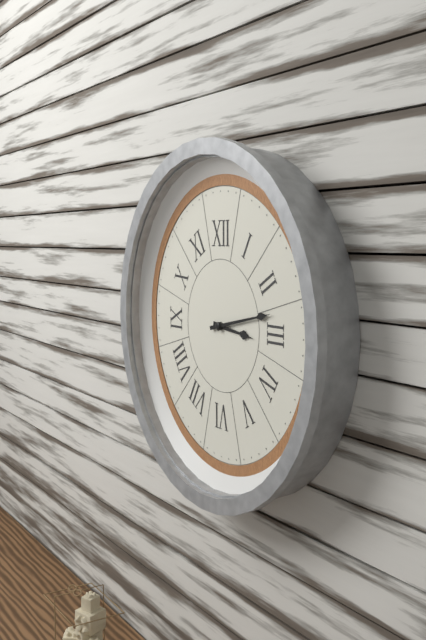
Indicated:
3,13
